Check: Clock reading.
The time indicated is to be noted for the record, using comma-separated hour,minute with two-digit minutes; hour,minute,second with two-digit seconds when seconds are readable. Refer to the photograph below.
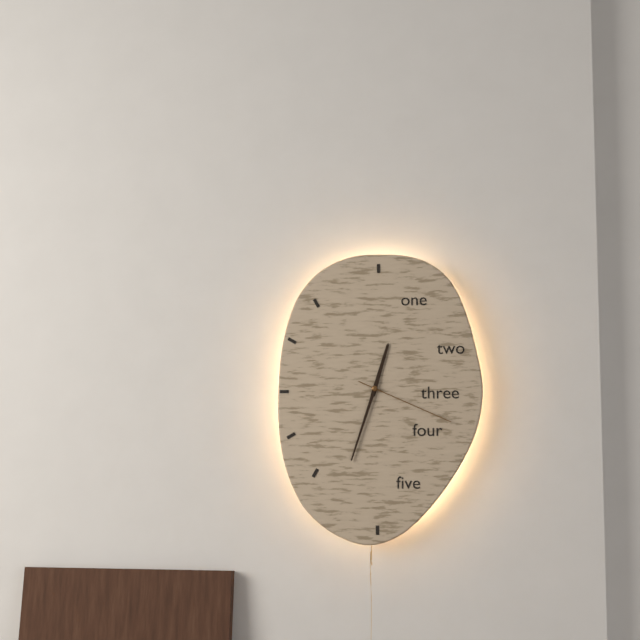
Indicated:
12,33,19
